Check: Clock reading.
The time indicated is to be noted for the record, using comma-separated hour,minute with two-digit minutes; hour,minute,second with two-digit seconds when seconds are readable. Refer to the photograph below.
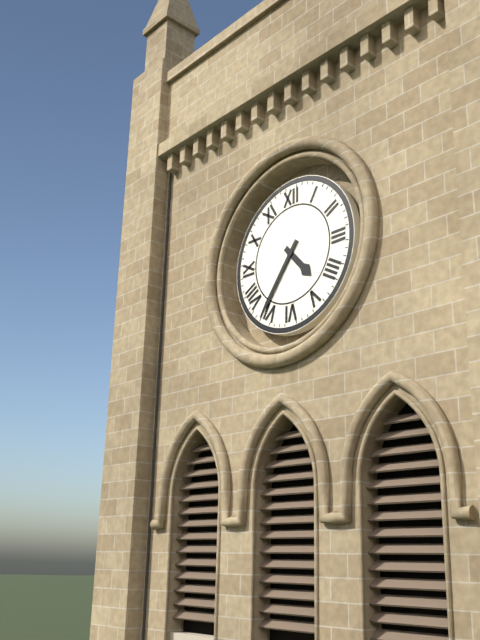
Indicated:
4,36
